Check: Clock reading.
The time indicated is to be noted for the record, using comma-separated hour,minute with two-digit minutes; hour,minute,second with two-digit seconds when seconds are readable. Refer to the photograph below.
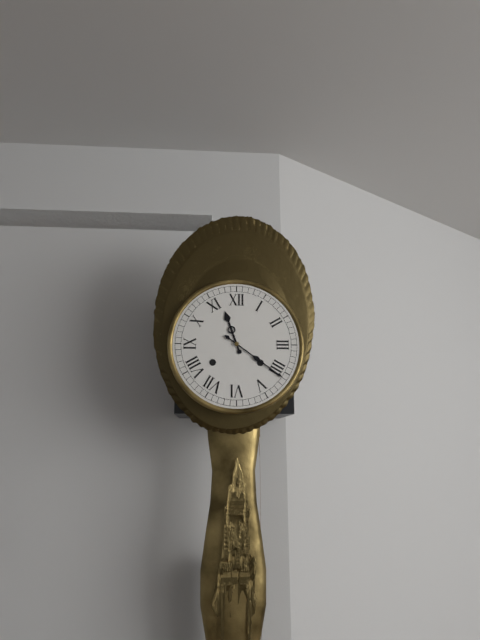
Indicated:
11,21
